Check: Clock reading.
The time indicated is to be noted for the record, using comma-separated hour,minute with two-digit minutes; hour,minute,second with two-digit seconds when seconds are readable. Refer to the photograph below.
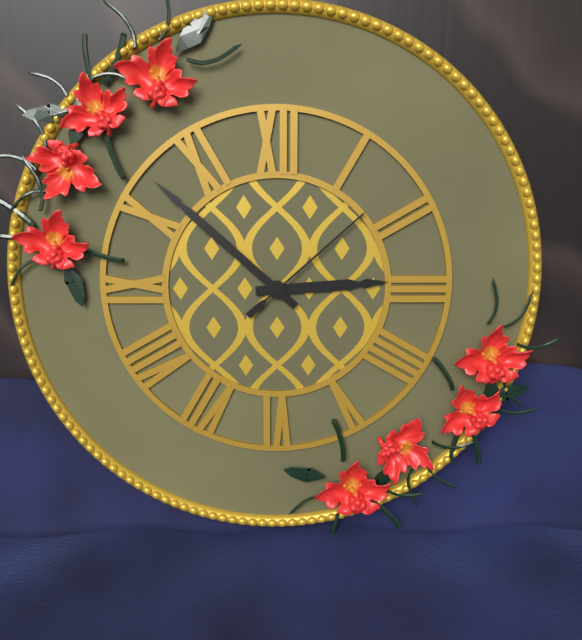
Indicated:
2,52,08
